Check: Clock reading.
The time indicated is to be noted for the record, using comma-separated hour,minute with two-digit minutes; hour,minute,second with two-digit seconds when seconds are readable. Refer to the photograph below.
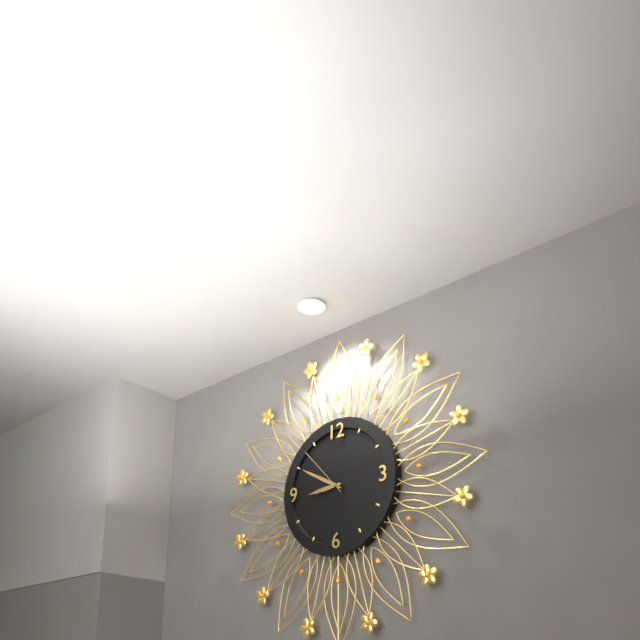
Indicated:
8,50,53
